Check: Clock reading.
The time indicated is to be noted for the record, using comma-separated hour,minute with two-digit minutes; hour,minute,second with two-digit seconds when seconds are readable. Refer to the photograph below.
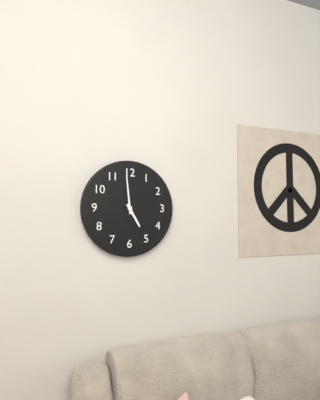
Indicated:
4,59
